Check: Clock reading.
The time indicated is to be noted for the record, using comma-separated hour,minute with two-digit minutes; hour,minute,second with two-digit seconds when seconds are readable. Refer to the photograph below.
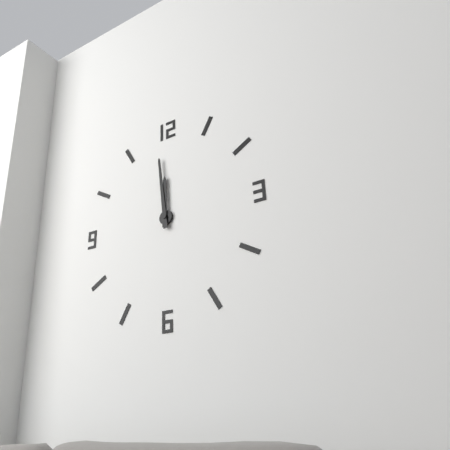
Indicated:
11,59
